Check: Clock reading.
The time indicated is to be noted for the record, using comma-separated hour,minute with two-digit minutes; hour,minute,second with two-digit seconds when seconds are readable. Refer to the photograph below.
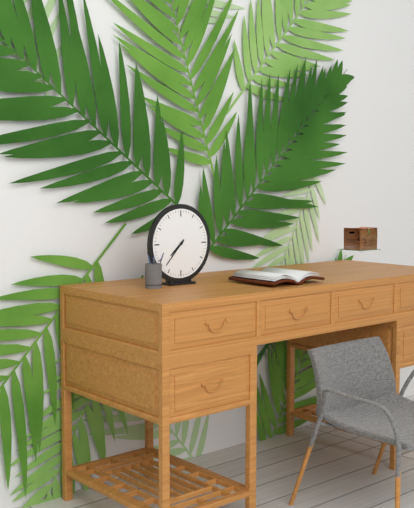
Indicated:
7,37
